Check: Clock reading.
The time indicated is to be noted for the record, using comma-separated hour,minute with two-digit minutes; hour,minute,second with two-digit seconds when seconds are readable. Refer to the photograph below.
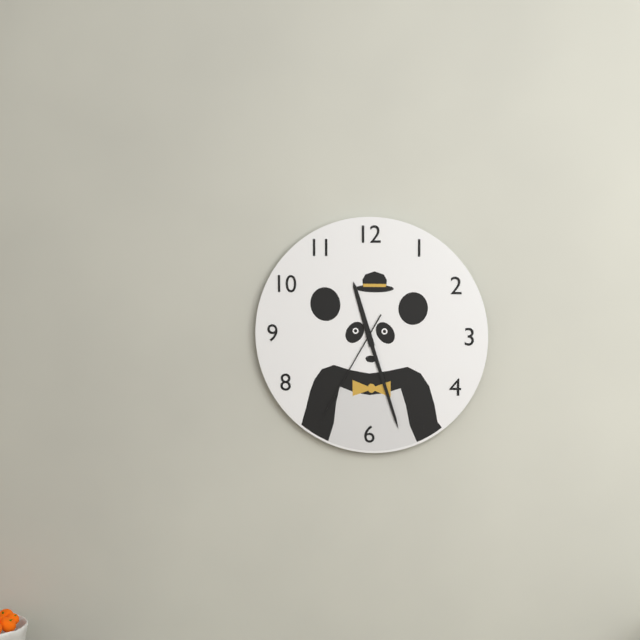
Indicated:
11,27,35
